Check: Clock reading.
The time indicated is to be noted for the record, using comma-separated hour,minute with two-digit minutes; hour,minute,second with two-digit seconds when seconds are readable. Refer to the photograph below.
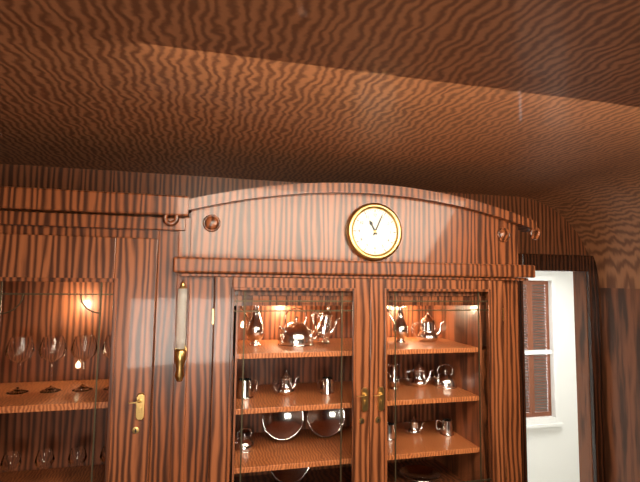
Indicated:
11,04
